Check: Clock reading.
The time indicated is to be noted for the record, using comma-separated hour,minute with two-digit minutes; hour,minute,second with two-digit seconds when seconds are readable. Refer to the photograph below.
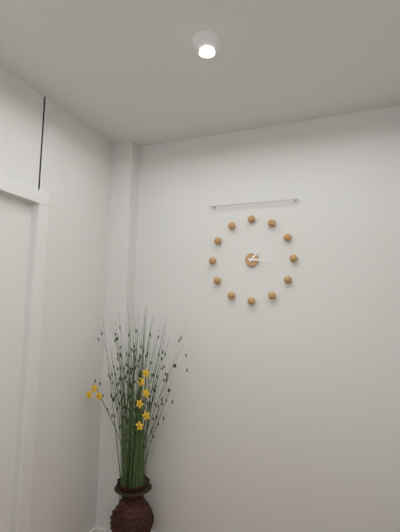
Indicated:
1,16
